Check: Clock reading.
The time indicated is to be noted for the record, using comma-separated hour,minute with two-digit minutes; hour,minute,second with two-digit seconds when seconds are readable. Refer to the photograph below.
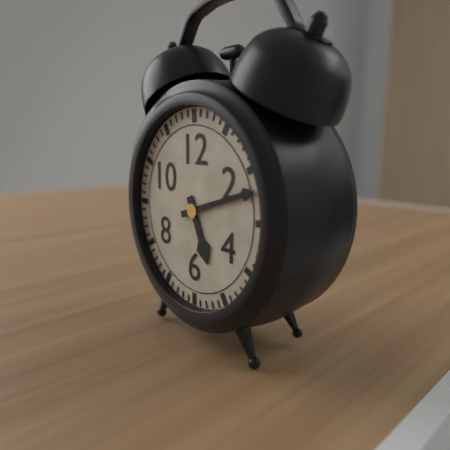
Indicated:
5,12
